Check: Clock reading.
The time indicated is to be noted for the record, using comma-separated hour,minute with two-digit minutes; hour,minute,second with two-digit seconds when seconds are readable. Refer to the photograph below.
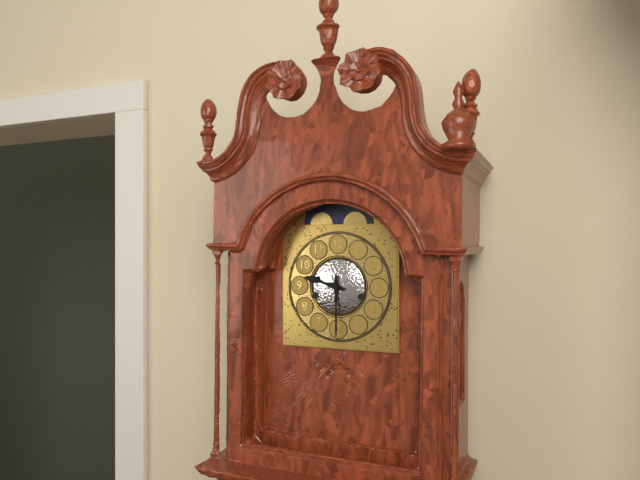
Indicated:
9,30
